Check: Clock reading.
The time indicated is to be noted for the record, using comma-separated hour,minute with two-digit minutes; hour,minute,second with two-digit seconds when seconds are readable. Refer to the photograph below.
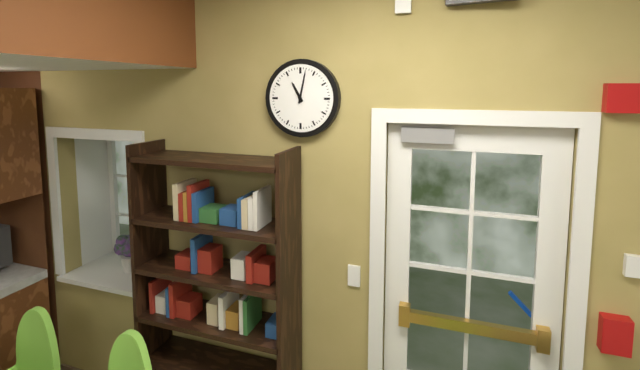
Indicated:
11,02
